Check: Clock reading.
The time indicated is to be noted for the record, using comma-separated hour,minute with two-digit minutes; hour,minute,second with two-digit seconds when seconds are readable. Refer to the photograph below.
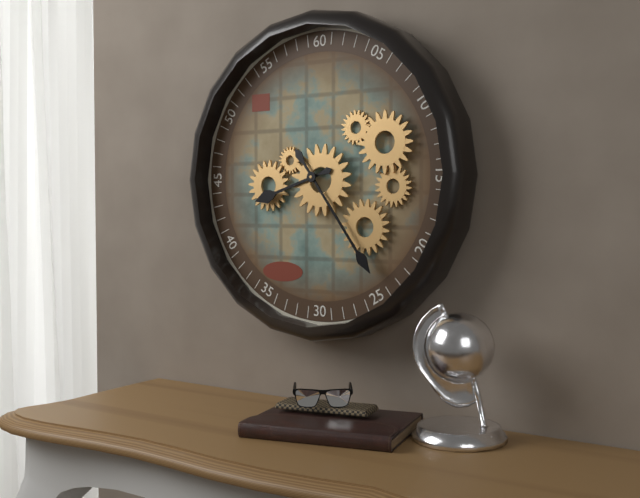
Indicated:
8,24
